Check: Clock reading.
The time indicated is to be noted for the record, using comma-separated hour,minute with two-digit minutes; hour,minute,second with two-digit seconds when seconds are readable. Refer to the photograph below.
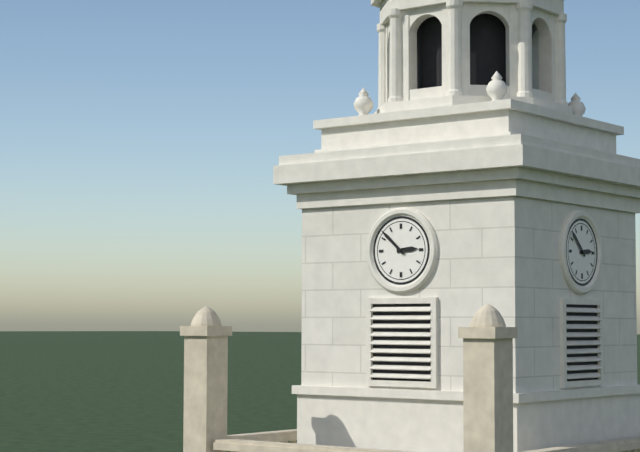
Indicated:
2,52
